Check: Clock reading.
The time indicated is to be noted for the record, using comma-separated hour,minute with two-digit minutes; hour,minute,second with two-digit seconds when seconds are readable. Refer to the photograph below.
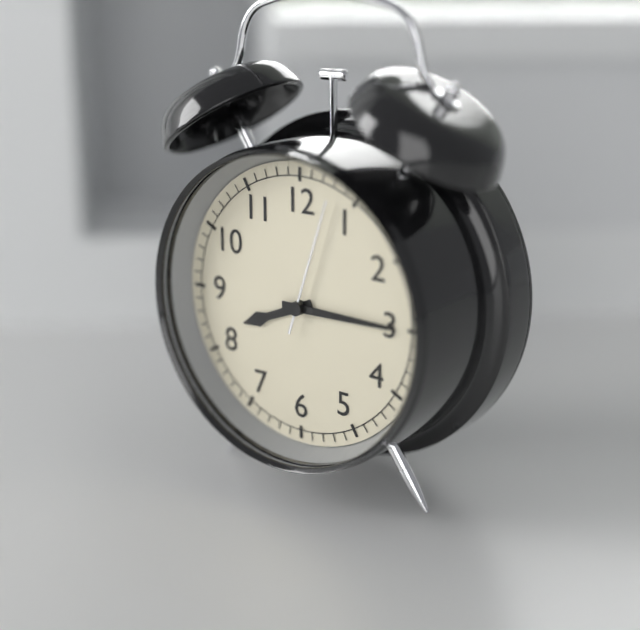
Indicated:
8,15,03
